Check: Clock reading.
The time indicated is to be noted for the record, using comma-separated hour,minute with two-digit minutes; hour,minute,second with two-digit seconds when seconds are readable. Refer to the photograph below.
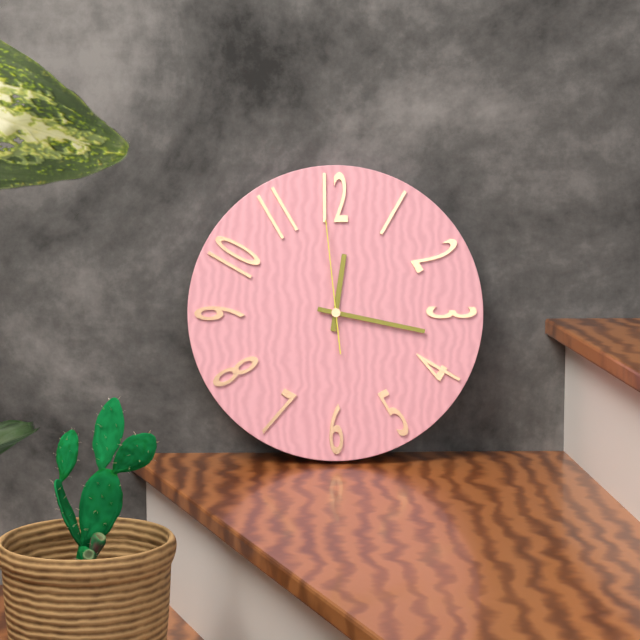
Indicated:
12,17,59
